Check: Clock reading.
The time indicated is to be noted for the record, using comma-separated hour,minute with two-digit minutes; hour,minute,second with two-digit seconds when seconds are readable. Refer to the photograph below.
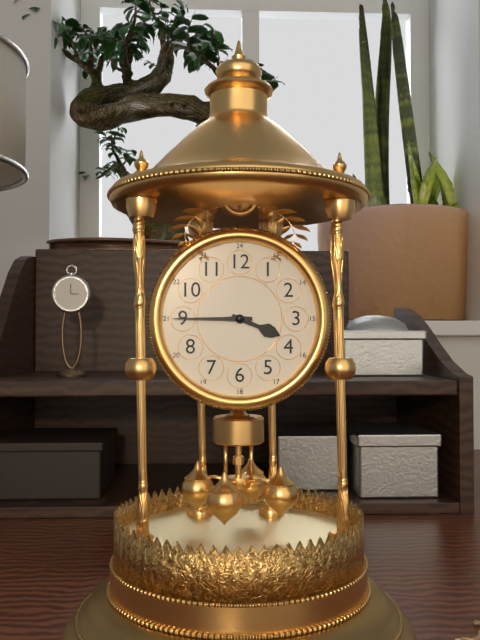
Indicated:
3,45
